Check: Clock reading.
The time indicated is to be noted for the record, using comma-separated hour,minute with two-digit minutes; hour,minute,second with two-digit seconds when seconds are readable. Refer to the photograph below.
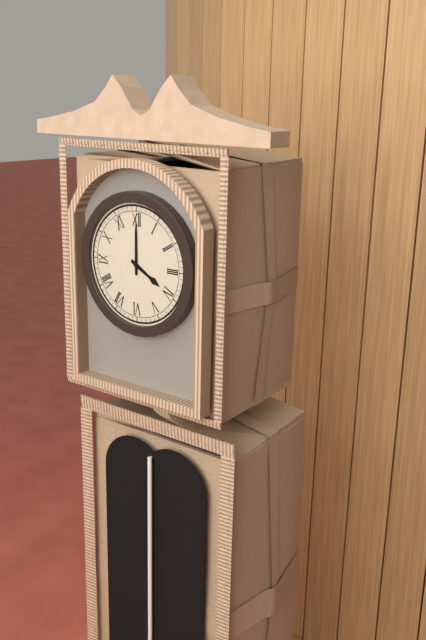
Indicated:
4,00
